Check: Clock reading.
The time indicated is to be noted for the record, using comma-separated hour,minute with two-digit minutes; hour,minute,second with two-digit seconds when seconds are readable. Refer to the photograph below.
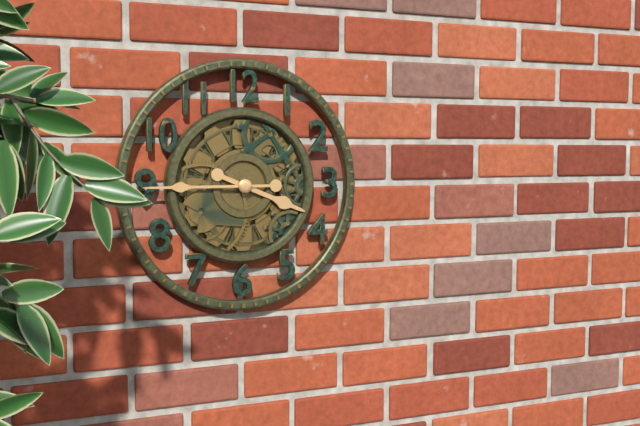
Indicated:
3,45
